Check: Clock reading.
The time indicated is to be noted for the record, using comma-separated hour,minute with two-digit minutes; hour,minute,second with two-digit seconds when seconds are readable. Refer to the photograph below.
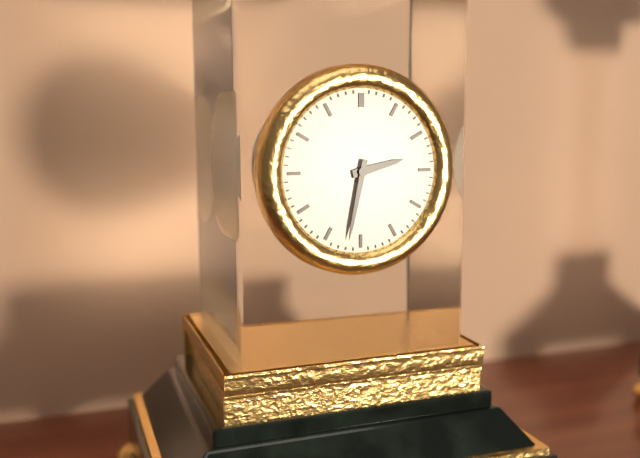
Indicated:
2,32
